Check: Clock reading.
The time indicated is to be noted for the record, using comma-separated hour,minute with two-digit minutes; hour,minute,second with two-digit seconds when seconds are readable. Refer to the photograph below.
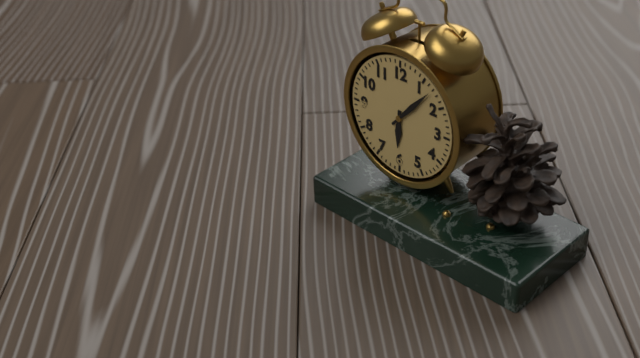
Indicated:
6,07
